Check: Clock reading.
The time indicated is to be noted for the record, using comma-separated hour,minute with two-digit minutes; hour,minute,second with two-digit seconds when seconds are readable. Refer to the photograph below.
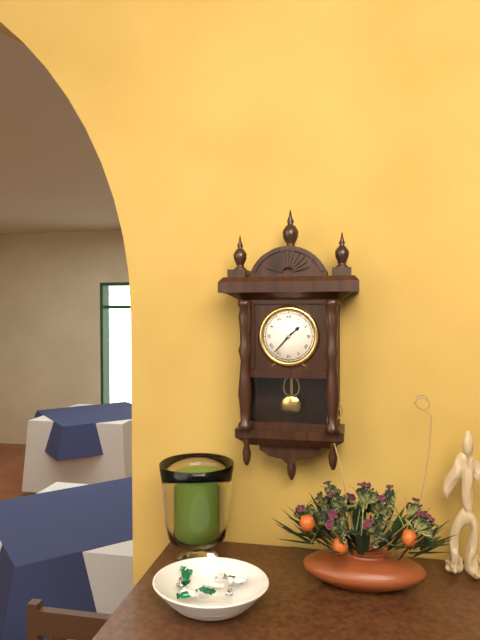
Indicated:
1,37
